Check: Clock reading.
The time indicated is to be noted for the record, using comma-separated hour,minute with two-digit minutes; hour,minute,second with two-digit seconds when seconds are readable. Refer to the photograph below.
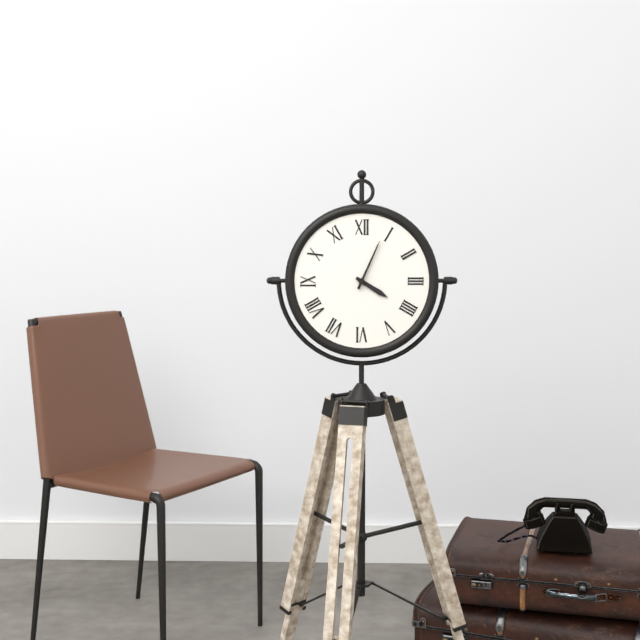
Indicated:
4,04
